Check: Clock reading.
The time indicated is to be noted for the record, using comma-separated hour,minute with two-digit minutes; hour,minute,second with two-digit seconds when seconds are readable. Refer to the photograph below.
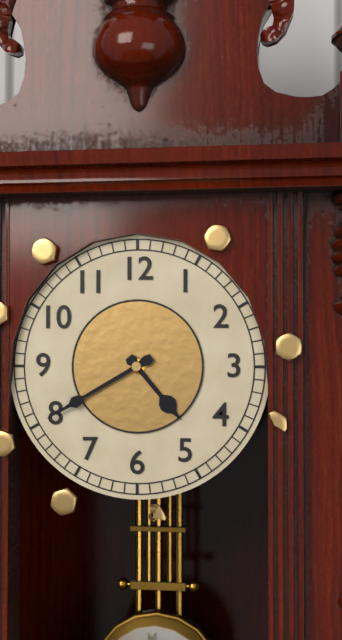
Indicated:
4,40
